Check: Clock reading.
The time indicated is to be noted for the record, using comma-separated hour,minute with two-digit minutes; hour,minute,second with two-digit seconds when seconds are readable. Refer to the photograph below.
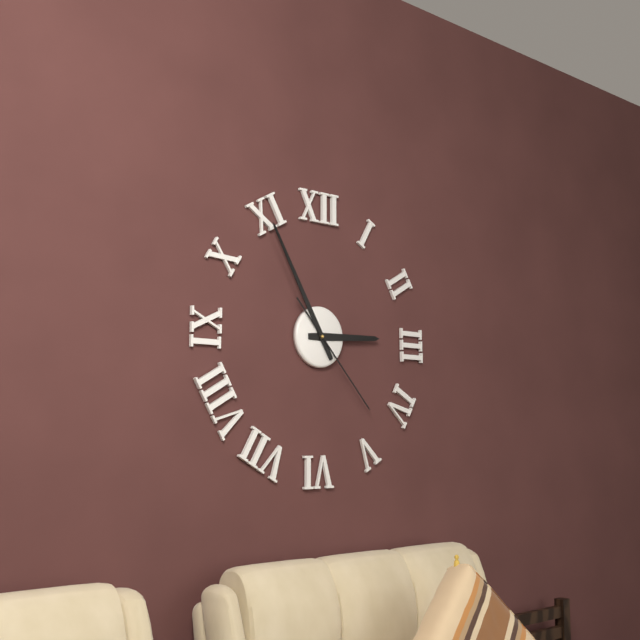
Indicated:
2,55,23
